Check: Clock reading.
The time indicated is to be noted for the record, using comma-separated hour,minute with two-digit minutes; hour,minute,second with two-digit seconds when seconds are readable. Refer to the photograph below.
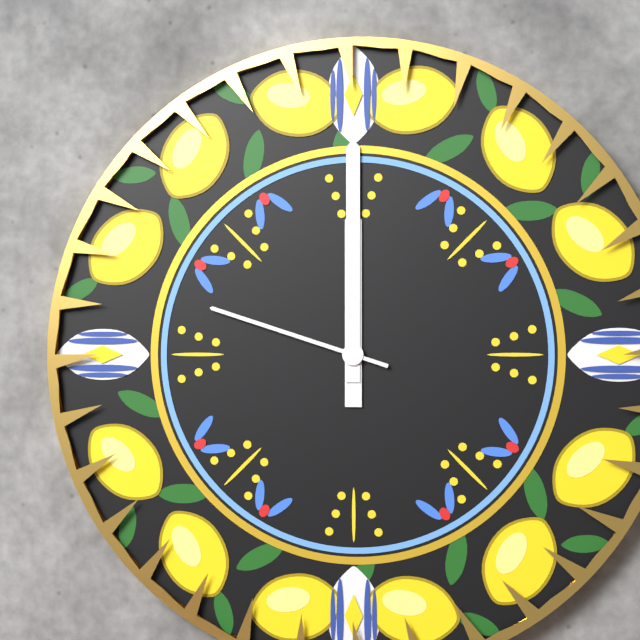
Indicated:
12,00,48
